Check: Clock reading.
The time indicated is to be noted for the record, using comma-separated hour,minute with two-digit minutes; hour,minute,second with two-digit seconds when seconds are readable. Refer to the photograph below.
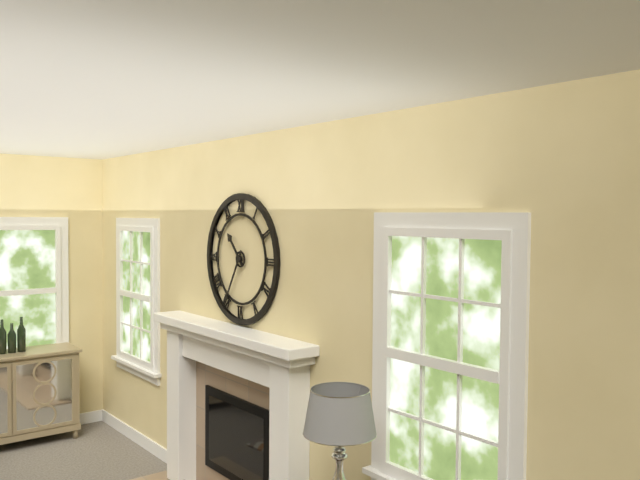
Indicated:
10,35
